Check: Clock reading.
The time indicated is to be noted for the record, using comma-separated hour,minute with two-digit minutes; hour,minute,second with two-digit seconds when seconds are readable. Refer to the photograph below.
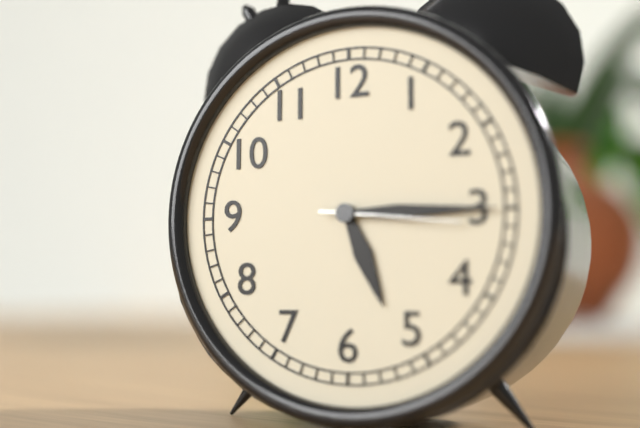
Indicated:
5,15,16
